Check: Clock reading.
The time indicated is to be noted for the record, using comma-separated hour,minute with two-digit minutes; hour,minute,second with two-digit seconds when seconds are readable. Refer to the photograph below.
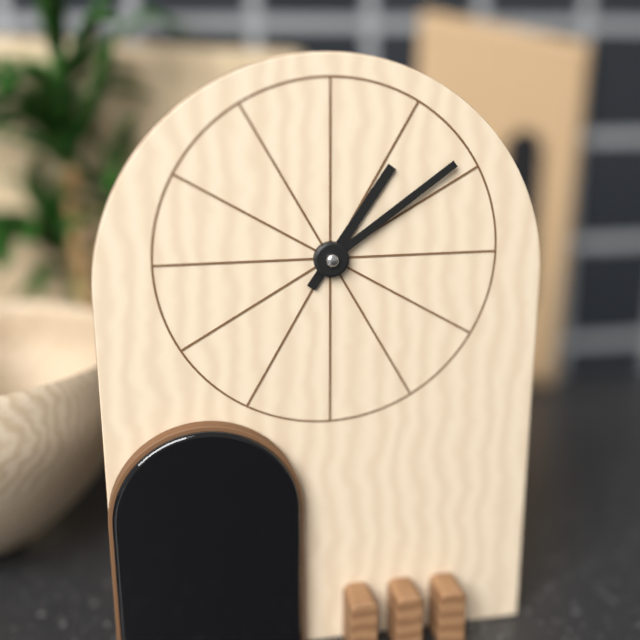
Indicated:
1,09
